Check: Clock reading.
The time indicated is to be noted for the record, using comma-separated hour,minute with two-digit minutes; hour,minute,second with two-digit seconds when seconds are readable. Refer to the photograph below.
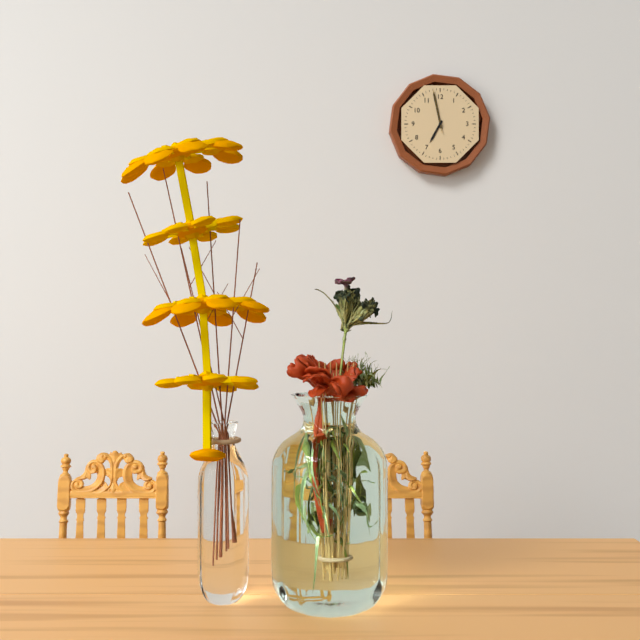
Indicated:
6,58
